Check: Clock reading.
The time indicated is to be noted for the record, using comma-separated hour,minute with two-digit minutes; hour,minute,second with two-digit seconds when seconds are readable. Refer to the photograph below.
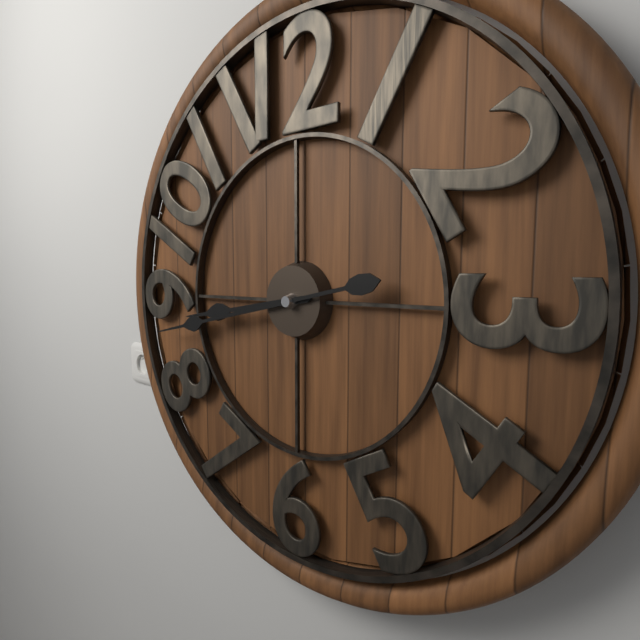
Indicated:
8,43
